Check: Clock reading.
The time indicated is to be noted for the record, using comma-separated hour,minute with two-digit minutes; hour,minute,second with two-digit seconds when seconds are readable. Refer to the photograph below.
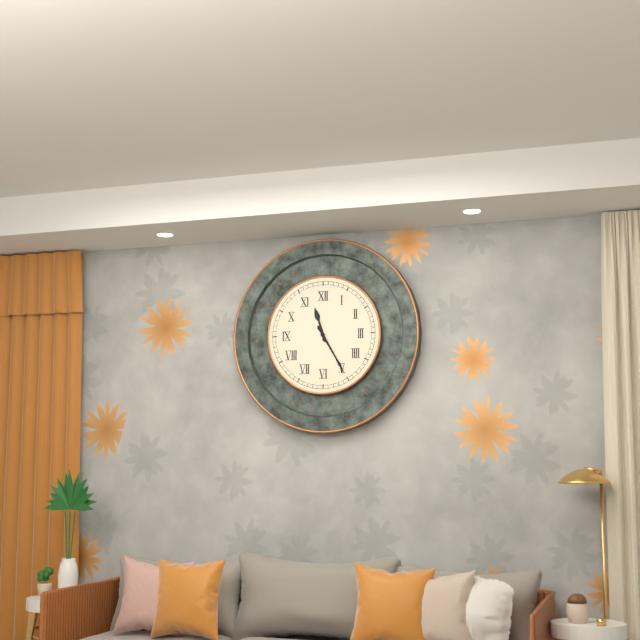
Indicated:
11,25
